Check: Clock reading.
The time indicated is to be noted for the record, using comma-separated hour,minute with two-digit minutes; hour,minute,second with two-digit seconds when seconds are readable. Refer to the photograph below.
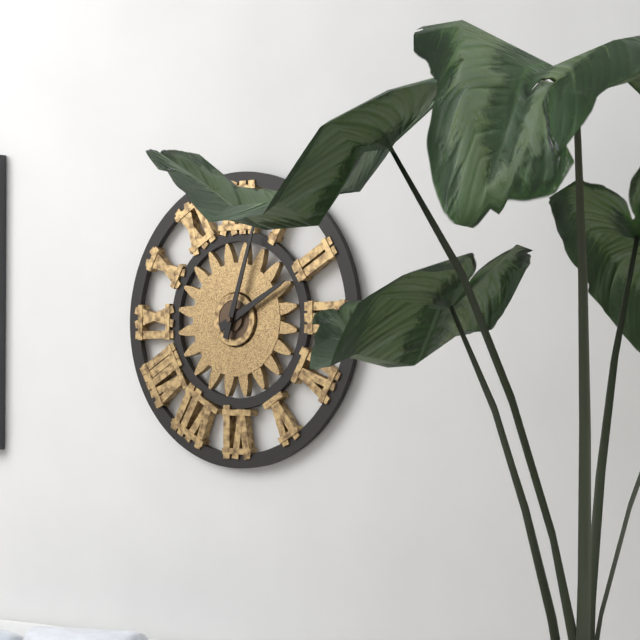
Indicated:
2,03
